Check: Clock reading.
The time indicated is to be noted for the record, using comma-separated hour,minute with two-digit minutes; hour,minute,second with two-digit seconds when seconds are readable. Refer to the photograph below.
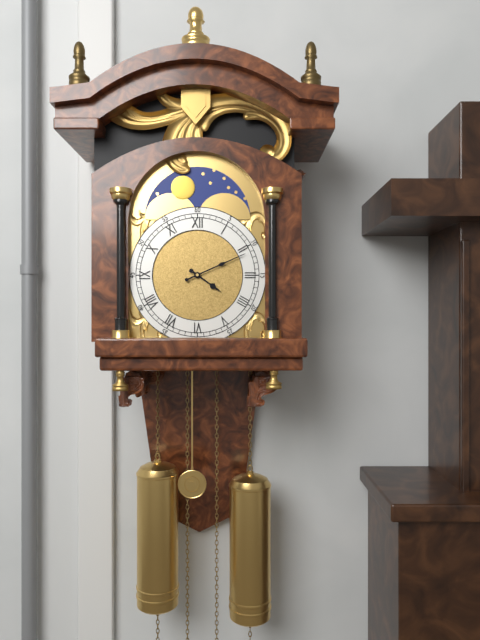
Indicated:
4,11
